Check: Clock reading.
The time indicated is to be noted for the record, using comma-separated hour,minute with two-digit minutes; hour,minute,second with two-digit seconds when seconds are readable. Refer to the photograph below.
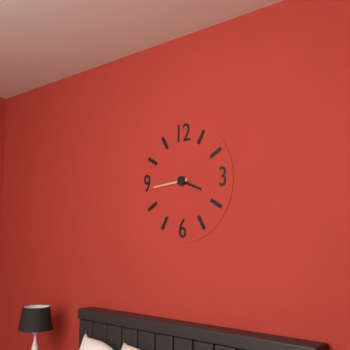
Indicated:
3,44
